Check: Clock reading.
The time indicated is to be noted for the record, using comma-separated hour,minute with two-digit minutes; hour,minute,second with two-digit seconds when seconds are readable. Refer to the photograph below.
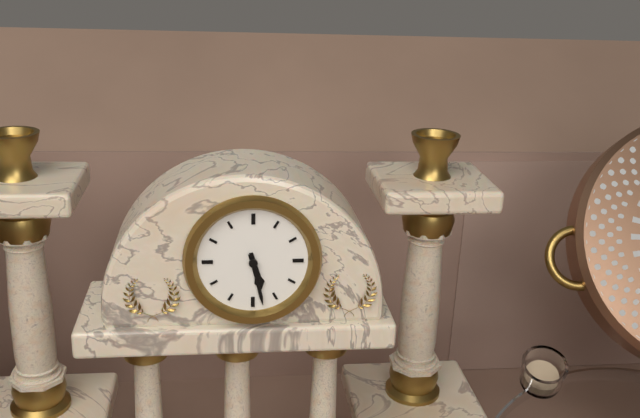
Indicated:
5,28
